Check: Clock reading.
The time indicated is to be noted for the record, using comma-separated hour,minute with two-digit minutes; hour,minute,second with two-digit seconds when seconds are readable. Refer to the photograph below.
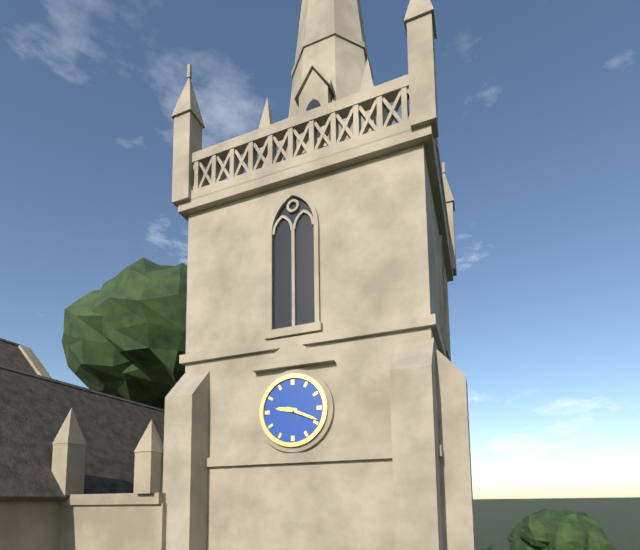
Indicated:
9,19
